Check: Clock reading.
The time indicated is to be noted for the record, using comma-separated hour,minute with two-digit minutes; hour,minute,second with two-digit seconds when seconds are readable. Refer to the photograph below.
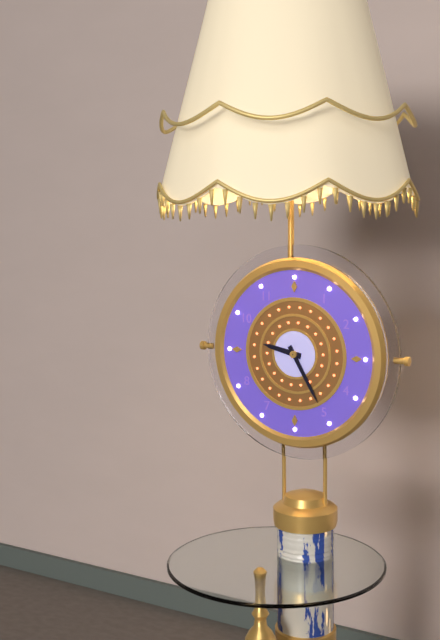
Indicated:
9,25
